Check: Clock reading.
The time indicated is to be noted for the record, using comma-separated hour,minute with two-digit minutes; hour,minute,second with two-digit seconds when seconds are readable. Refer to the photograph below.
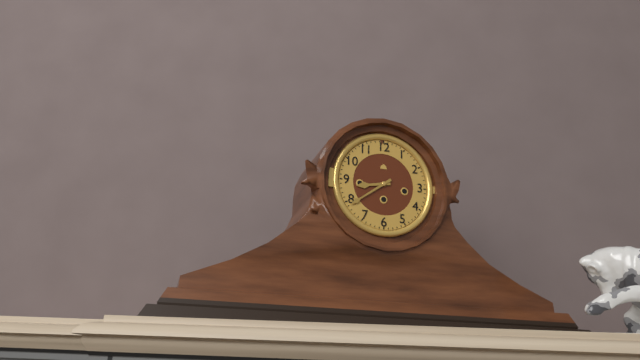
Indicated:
8,39
